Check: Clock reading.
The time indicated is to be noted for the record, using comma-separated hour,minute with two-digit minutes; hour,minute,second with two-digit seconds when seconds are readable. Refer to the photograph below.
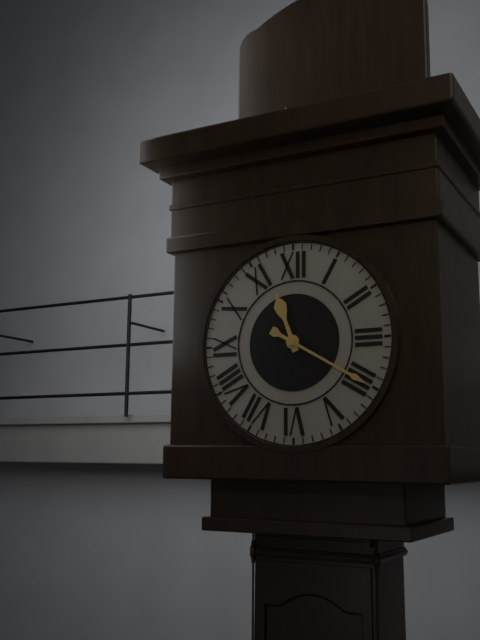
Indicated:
11,20
